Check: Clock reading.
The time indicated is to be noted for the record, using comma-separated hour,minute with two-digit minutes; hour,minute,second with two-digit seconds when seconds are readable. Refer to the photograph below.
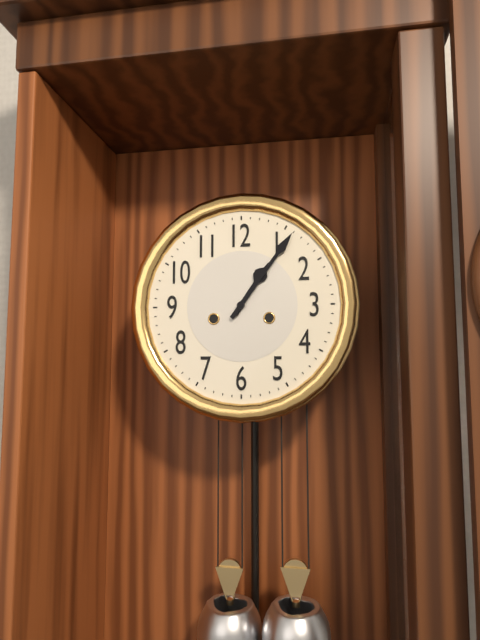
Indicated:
1,06
